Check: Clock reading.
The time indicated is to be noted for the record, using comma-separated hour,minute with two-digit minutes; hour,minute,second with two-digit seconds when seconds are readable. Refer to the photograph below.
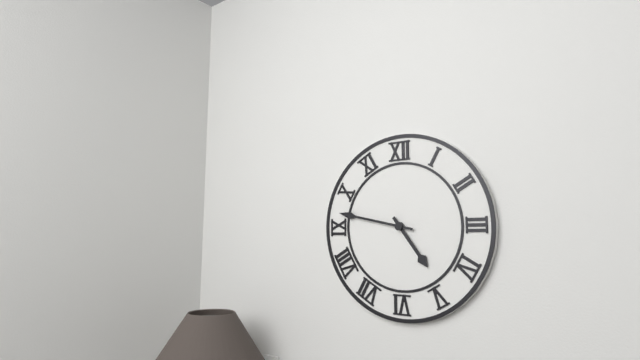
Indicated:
4,47
